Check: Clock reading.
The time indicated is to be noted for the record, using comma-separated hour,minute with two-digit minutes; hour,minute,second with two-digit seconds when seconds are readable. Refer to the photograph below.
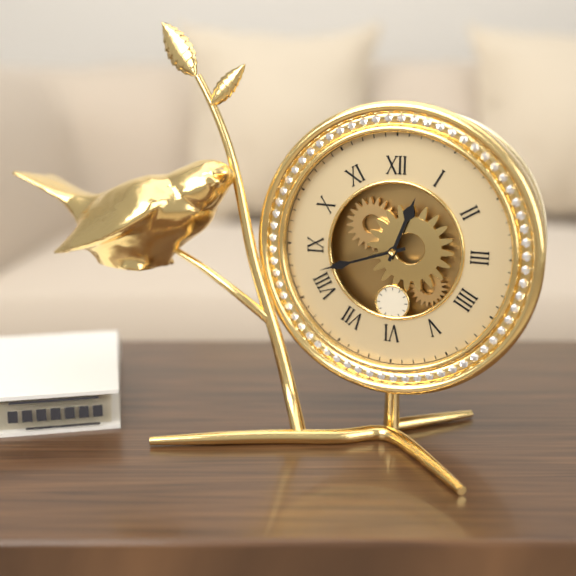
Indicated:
12,42
